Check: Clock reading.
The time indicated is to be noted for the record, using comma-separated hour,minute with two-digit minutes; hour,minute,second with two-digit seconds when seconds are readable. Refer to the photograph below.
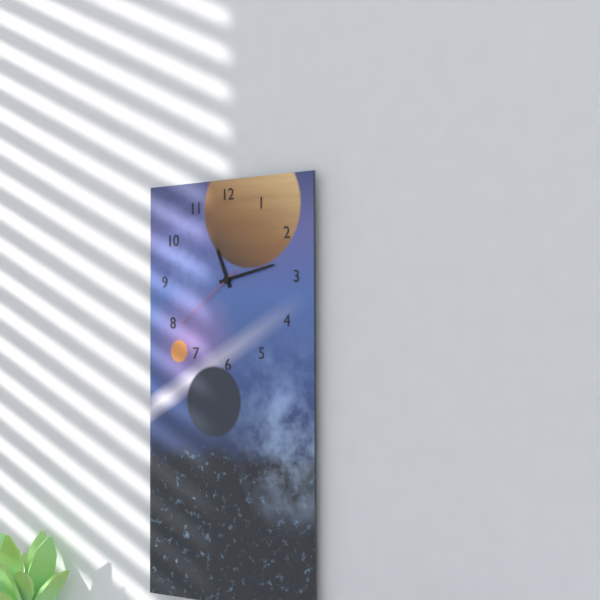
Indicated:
11,13,39
